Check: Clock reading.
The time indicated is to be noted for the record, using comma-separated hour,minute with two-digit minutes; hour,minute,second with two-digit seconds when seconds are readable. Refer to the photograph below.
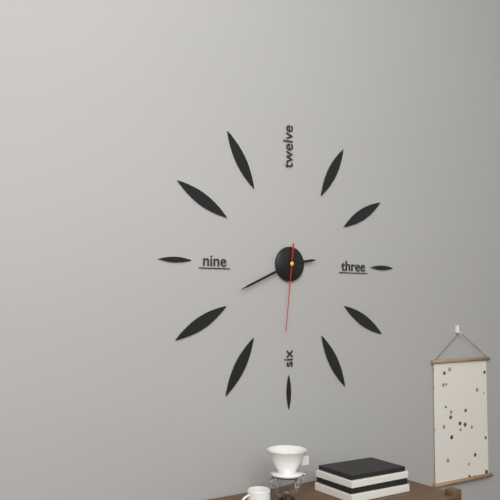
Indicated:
2,41,31
